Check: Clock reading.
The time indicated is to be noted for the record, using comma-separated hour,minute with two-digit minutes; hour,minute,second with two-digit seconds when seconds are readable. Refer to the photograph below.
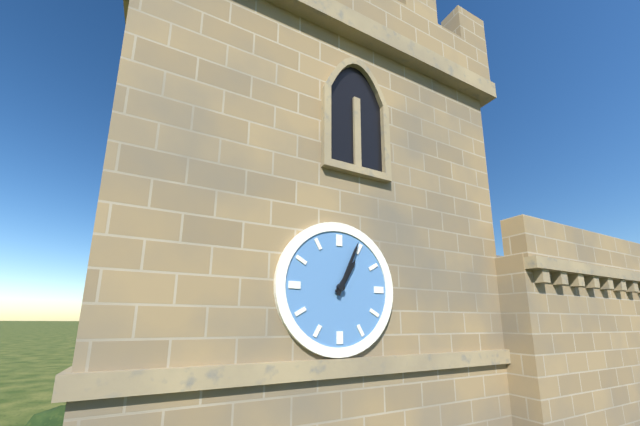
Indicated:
1,04
